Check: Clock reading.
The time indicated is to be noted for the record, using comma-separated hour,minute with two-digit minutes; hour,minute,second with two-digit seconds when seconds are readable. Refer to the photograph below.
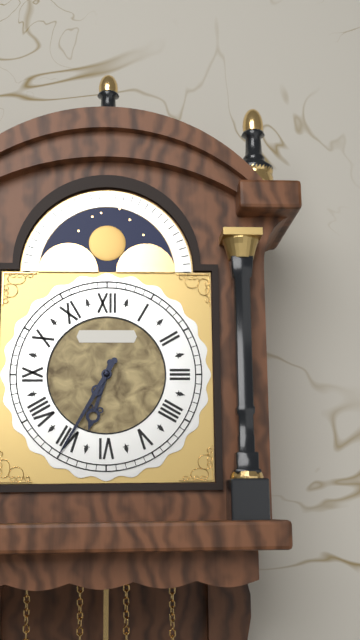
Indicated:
6,35
